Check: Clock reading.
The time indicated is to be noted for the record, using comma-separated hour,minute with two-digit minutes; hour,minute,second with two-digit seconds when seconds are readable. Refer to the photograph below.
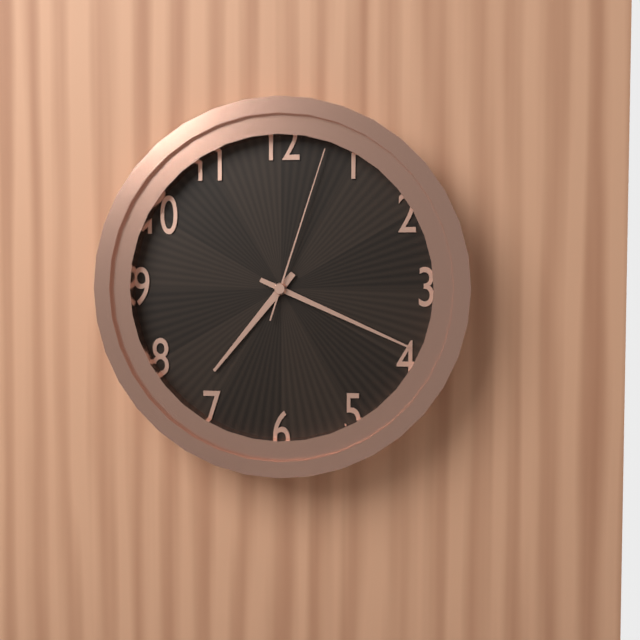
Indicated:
7,19,03
